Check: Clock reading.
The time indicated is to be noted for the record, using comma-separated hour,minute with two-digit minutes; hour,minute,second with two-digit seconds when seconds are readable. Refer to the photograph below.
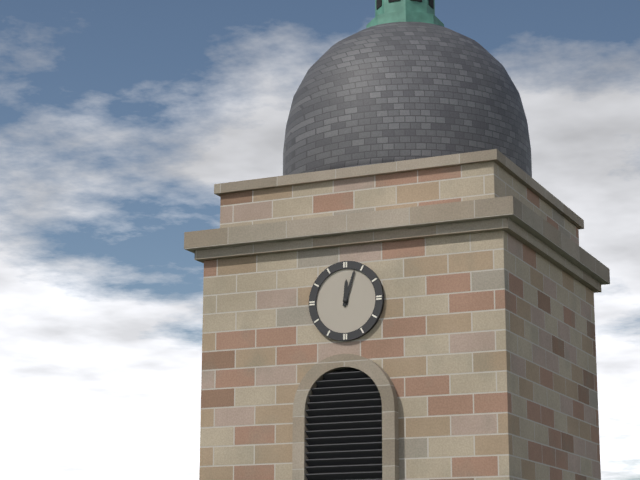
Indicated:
12,03
